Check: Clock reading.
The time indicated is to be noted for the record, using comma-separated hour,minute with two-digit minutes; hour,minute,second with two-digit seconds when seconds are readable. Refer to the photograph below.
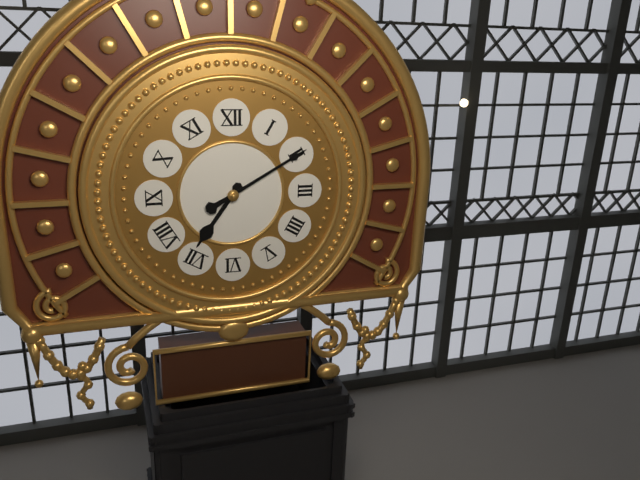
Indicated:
7,10
